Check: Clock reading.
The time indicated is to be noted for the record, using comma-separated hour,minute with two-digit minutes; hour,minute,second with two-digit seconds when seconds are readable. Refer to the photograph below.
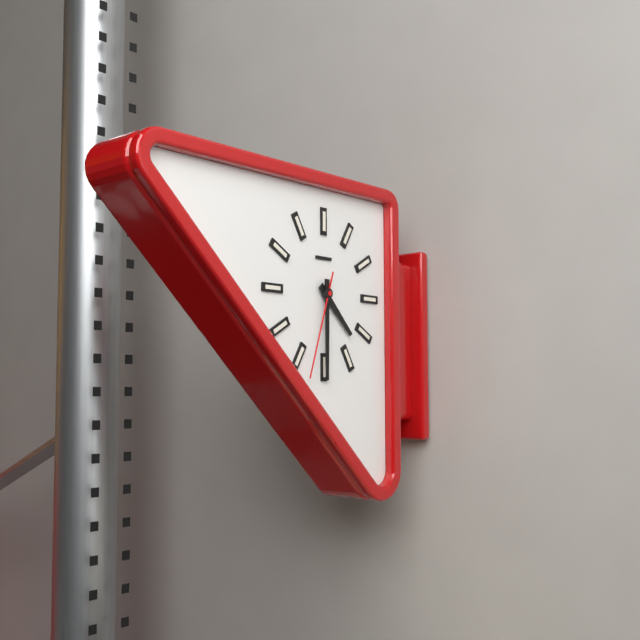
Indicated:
4,30,33
